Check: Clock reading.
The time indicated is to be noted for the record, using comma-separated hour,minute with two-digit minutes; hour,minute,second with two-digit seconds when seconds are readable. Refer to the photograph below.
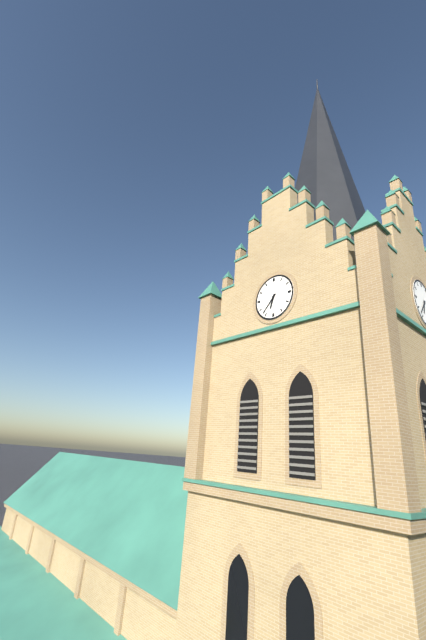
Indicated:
6,37
